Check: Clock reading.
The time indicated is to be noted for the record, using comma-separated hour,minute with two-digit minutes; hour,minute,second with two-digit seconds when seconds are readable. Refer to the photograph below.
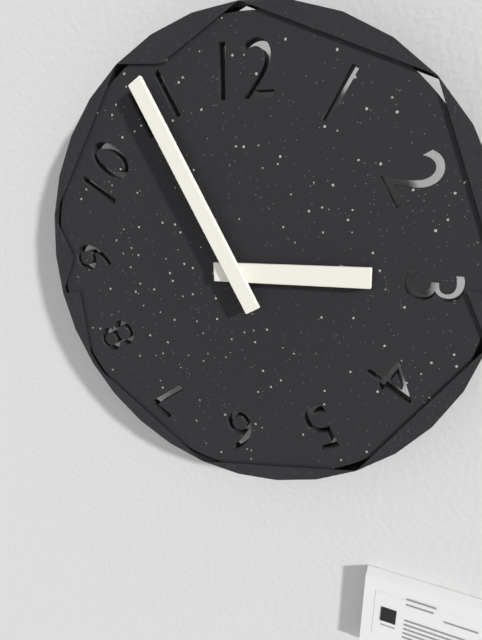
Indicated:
2,55
